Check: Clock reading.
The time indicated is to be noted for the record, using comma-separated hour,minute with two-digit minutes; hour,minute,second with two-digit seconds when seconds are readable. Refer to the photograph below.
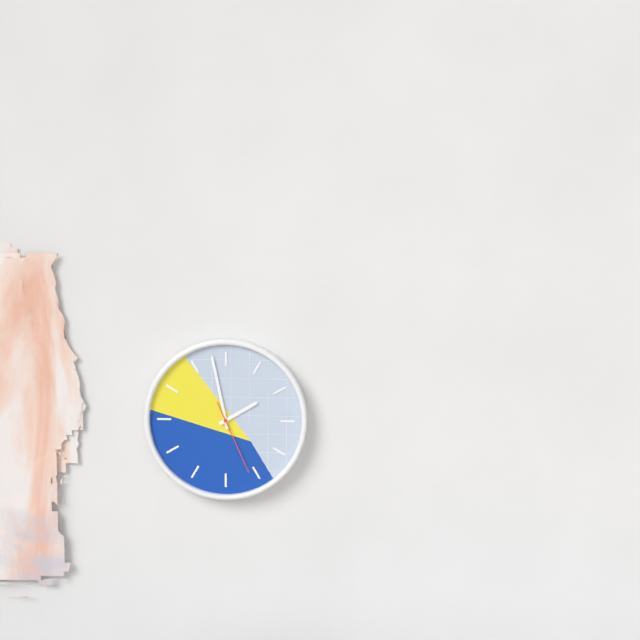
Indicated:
1,58,26
